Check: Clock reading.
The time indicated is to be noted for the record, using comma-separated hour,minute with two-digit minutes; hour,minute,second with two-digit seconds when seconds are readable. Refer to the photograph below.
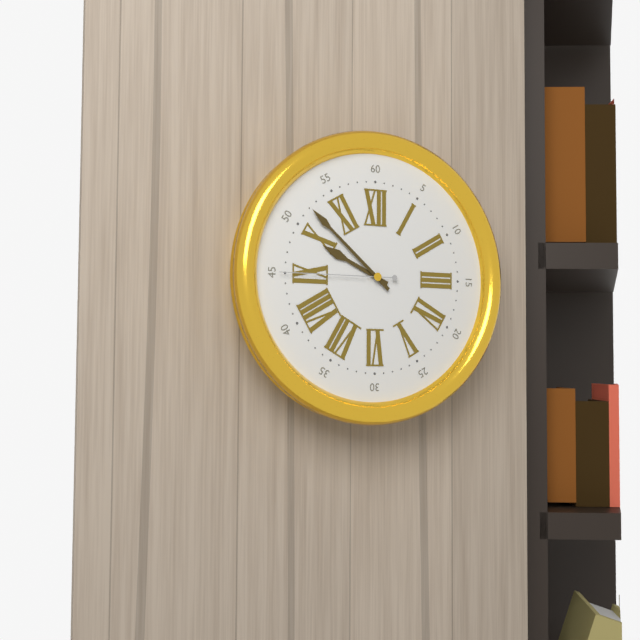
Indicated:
9,52,45
